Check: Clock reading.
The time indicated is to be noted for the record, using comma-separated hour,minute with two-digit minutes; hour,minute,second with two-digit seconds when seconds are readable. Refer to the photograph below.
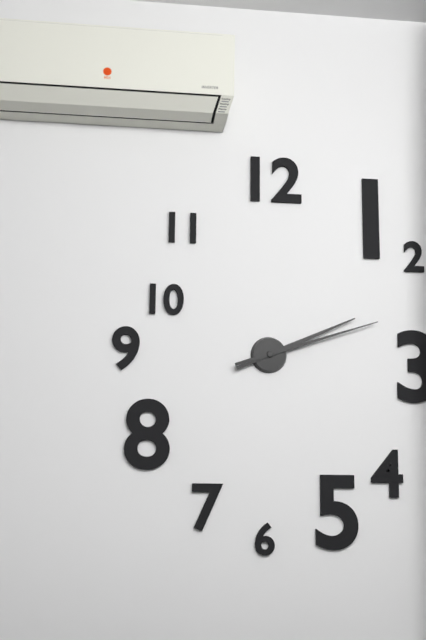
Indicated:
2,12
